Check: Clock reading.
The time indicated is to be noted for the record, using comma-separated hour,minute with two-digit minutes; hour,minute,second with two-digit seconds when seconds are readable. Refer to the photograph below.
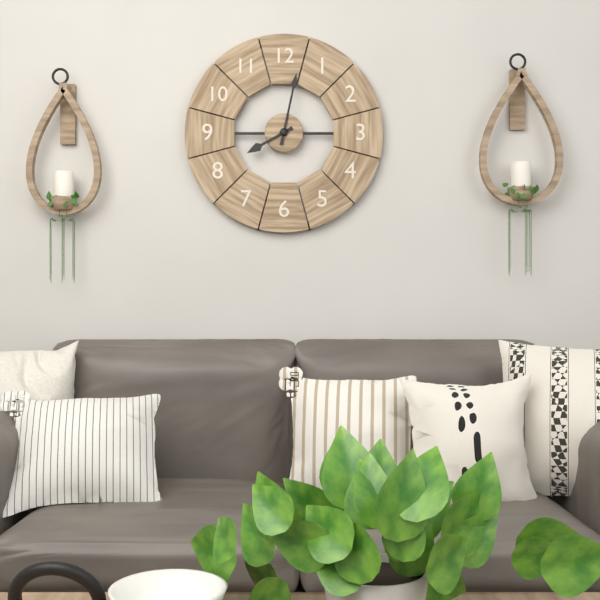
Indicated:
8,02
